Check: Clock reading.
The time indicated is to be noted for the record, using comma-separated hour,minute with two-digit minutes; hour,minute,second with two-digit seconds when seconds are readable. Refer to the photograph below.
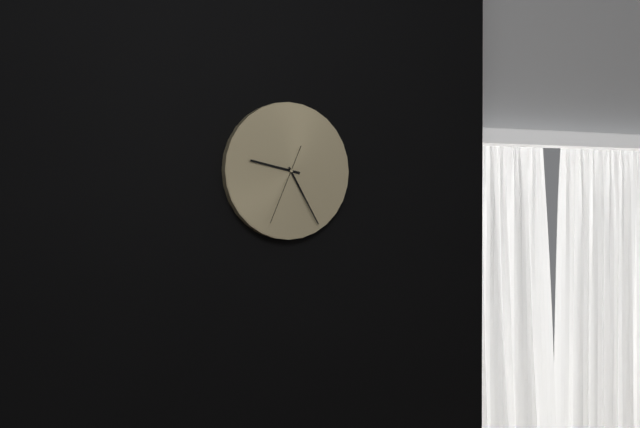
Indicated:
9,25,34
